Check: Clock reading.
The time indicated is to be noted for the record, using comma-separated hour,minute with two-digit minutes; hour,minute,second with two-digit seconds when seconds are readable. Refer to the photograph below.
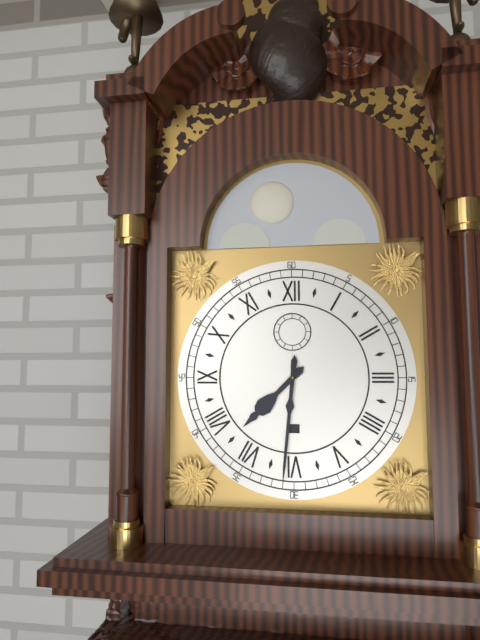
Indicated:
7,31
